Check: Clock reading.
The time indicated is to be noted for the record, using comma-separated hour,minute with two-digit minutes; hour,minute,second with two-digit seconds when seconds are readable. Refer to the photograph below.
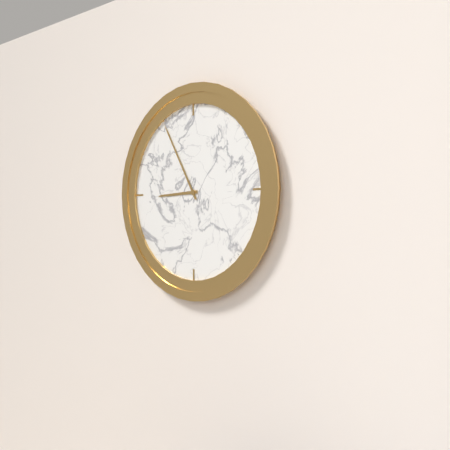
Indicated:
8,55
